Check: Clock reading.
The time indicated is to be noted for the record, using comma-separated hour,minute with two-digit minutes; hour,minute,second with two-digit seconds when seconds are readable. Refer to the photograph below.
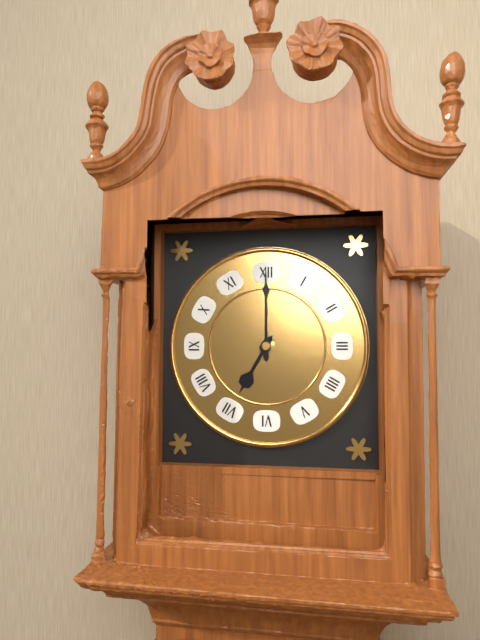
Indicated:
7,00
